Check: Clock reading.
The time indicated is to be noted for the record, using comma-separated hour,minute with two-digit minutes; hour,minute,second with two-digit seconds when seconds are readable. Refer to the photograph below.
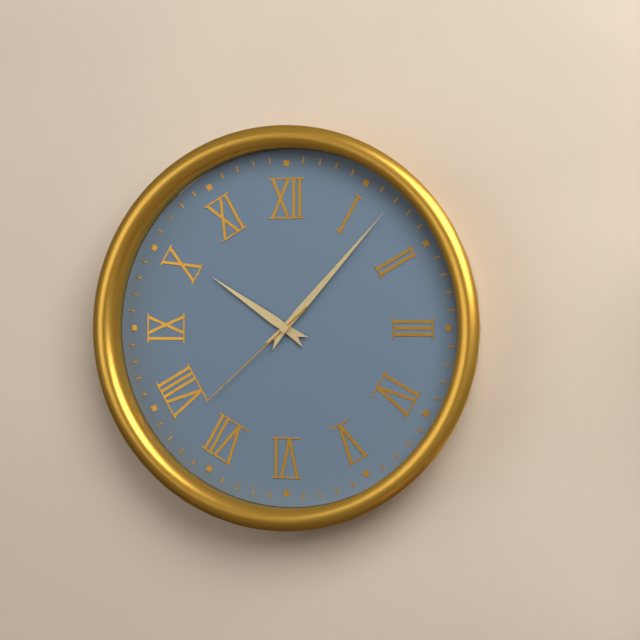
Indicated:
10,07,38
